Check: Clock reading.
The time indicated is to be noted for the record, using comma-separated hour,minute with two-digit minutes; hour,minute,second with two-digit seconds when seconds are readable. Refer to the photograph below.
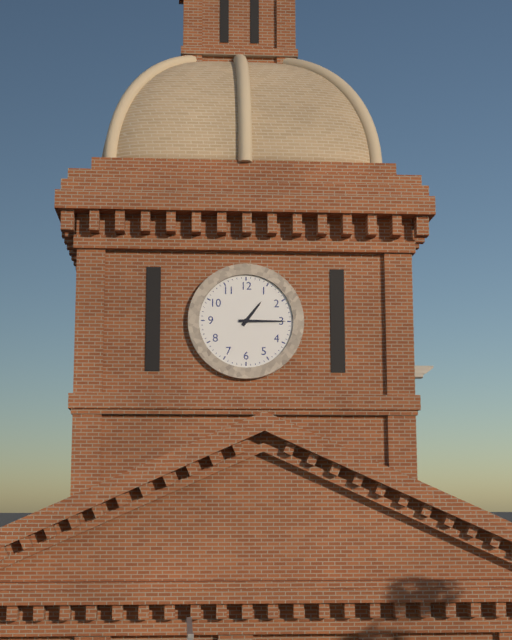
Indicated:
1,15
